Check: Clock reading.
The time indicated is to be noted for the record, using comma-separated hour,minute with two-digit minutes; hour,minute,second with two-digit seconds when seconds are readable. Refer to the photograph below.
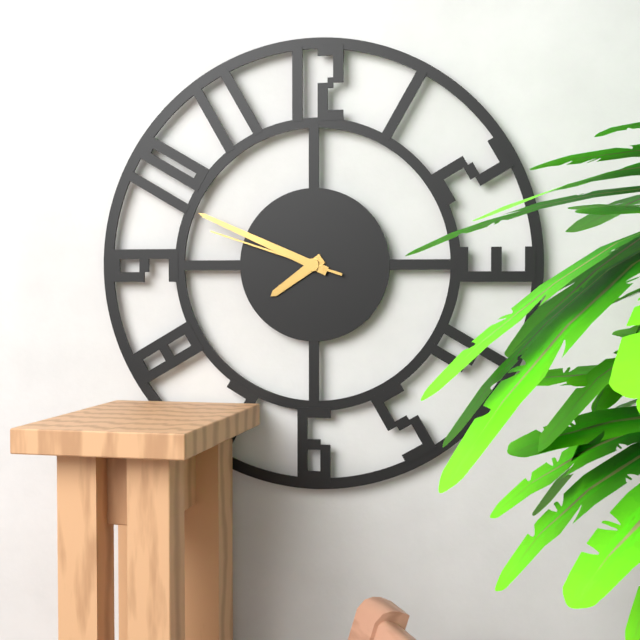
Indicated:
7,49,48
